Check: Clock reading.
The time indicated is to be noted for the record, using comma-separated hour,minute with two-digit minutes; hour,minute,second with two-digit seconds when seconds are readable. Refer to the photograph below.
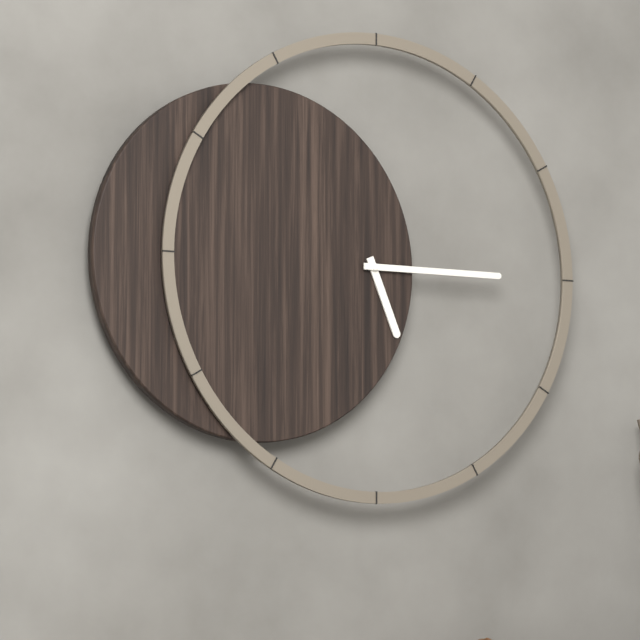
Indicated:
5,15
